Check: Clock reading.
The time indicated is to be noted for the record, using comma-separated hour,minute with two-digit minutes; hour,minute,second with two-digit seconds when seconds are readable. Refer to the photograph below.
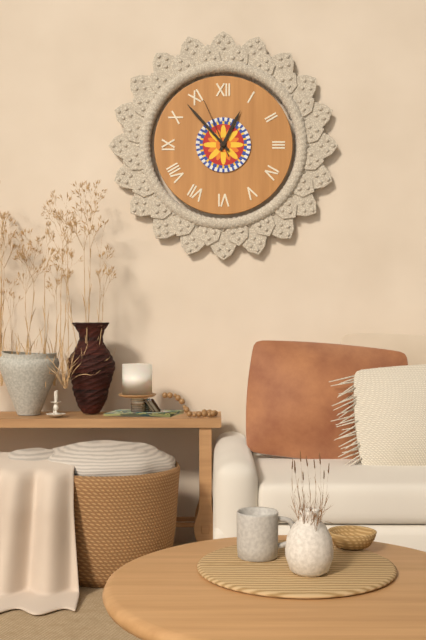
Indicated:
12,53,56
